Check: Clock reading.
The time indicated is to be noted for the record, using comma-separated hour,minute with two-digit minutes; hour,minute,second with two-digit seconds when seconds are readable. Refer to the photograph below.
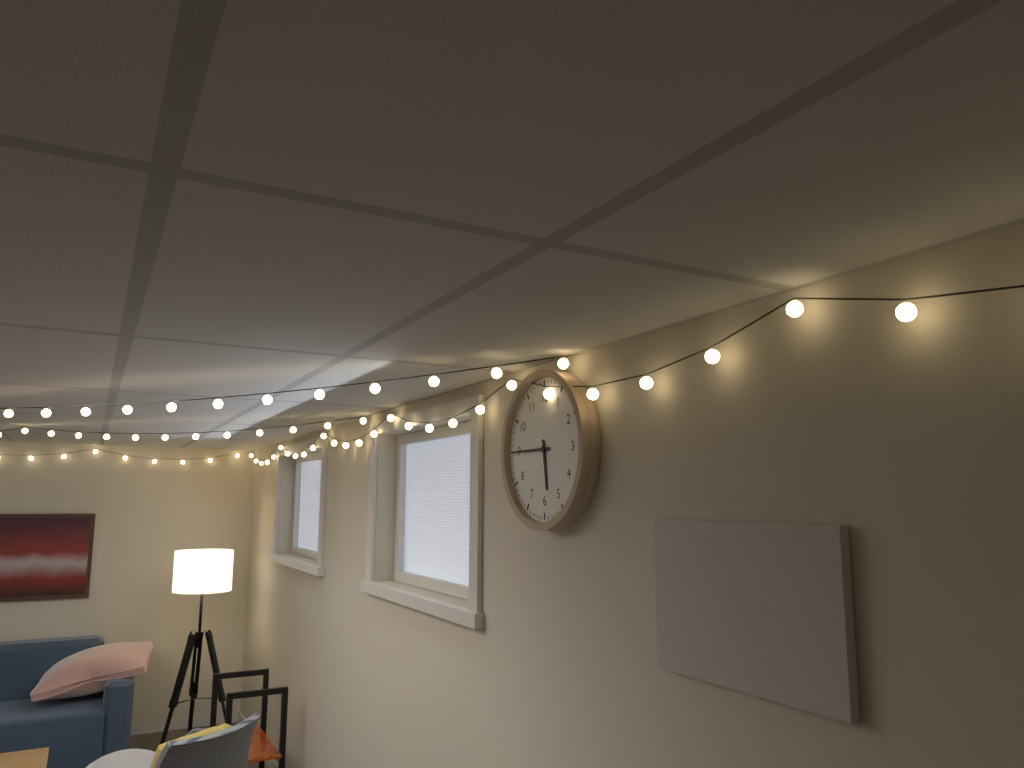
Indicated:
5,45
